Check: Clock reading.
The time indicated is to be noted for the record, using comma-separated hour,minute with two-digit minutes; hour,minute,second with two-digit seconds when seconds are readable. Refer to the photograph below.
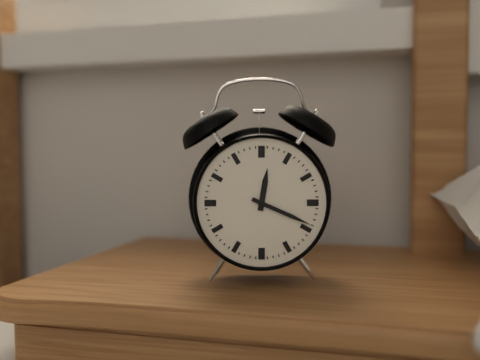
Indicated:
12,19
